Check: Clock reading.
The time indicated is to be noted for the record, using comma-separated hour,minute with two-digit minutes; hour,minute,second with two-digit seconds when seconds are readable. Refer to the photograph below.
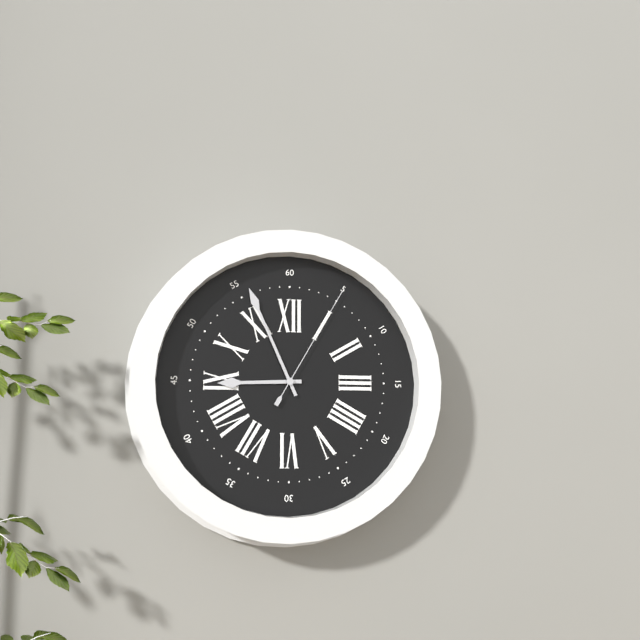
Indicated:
8,56,05
